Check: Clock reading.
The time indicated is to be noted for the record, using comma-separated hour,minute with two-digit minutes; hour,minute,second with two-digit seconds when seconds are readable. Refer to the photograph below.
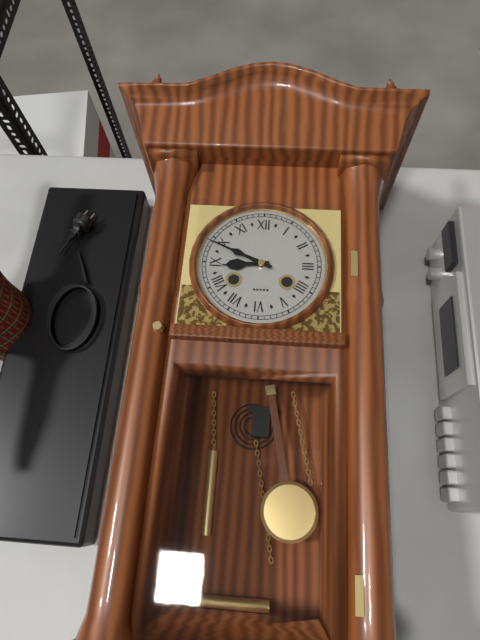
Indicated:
8,49
